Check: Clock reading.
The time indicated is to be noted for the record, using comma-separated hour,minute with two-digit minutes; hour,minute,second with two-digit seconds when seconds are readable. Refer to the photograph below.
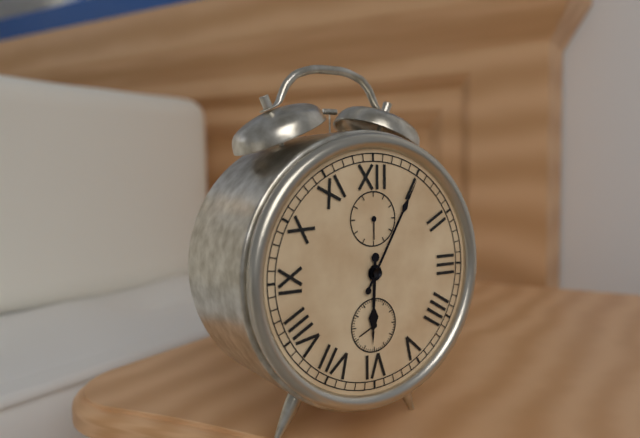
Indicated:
6,05
